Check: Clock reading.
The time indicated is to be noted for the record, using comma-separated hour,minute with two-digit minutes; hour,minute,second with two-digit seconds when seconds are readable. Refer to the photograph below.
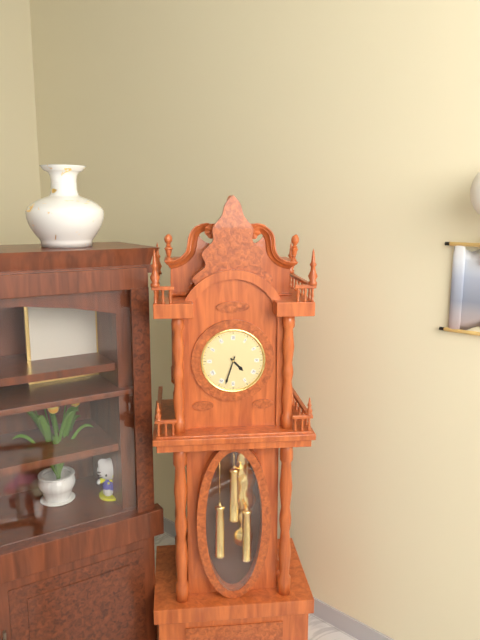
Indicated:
4,33
